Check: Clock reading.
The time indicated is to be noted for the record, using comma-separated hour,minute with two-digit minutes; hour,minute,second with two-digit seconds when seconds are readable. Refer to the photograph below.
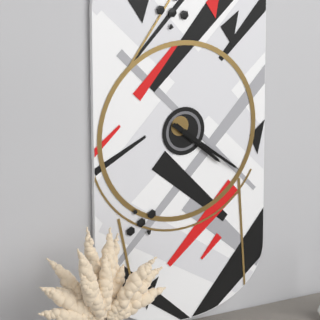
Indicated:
4,21
